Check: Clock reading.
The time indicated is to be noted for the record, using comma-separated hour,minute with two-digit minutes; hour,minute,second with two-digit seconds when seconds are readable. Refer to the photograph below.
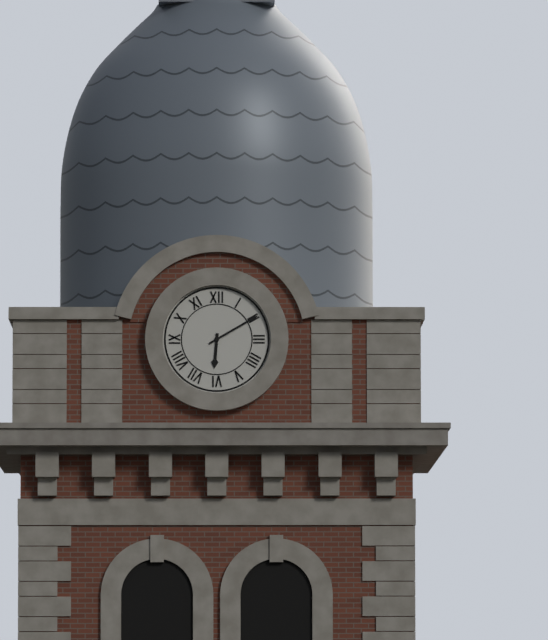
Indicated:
6,10
